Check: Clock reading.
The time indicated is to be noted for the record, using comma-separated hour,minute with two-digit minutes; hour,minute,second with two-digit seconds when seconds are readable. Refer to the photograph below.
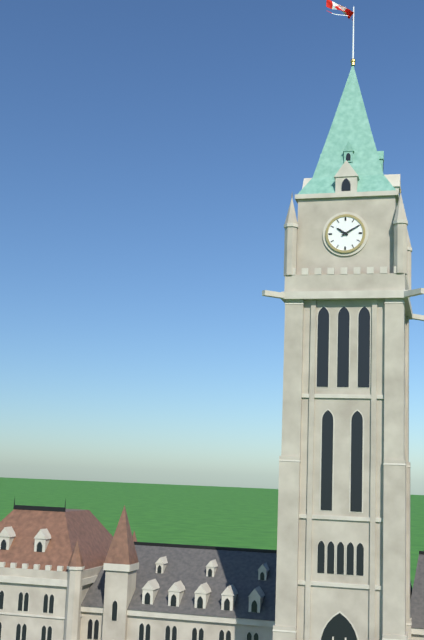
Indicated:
10,10
